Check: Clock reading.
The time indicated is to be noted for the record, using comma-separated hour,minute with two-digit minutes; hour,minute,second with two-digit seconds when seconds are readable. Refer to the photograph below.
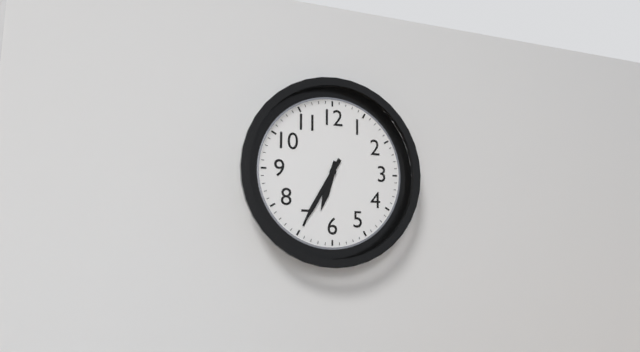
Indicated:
6,35
